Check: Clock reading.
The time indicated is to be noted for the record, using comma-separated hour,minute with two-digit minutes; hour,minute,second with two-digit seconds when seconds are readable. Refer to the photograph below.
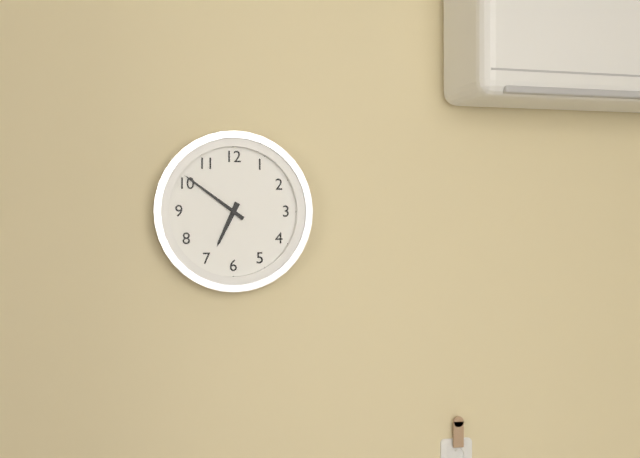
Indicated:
6,51
